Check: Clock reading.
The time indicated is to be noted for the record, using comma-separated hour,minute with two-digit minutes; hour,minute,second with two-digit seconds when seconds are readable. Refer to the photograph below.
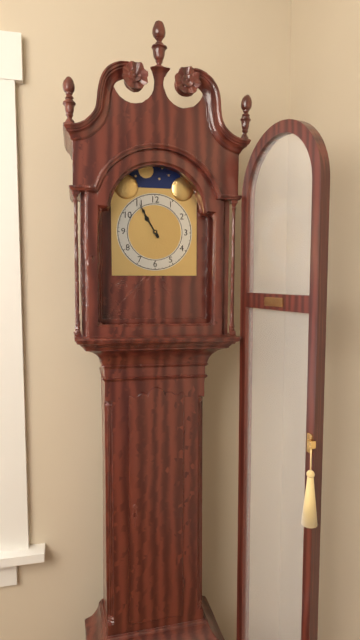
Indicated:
10,55
